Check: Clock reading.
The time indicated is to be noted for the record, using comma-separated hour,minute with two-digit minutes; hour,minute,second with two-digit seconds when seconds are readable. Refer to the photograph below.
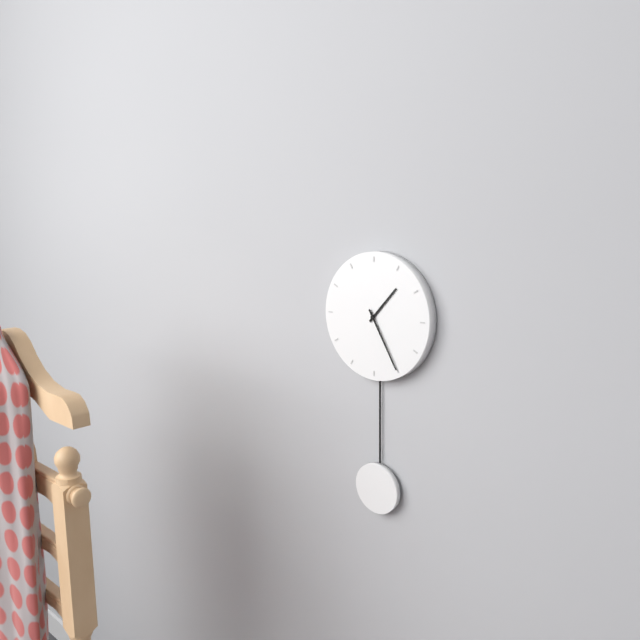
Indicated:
1,25
